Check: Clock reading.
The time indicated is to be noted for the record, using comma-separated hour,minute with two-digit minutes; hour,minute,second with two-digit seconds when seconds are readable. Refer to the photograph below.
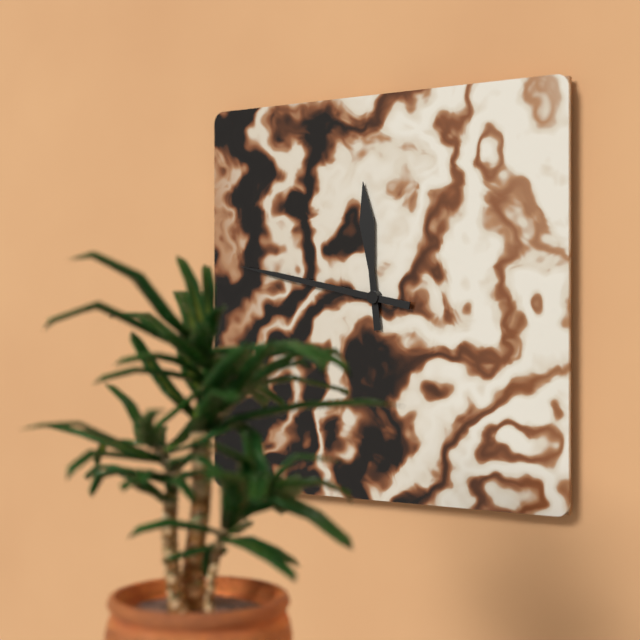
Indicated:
11,47
